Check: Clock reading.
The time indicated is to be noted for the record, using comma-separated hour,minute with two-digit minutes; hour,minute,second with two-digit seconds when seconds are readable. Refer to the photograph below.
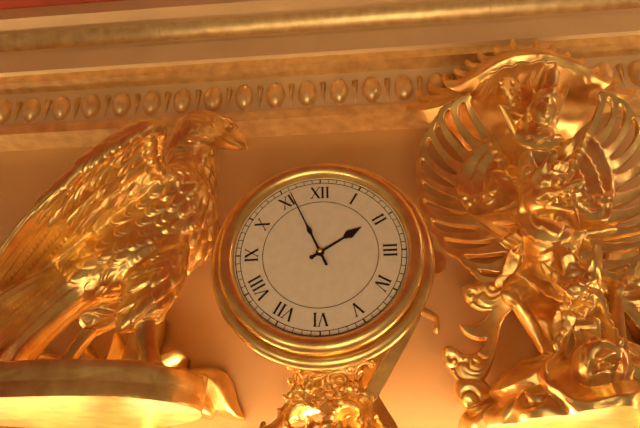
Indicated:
1,56
